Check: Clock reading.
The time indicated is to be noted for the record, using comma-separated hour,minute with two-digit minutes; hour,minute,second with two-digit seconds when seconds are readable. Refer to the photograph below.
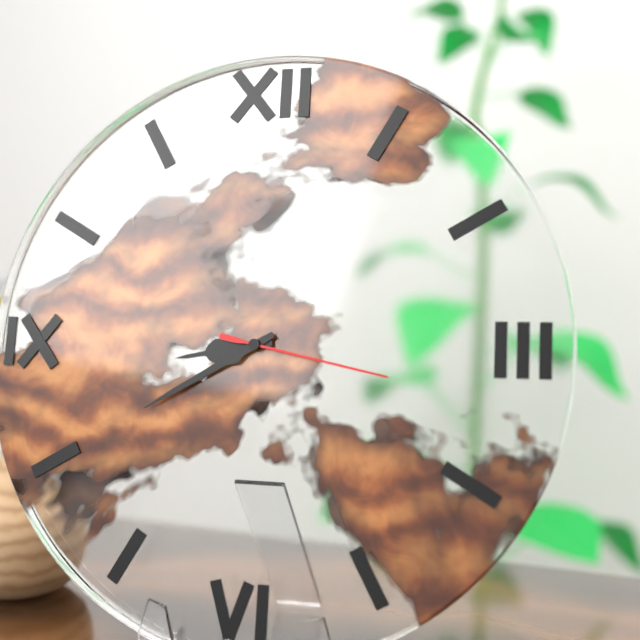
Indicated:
8,40,17
